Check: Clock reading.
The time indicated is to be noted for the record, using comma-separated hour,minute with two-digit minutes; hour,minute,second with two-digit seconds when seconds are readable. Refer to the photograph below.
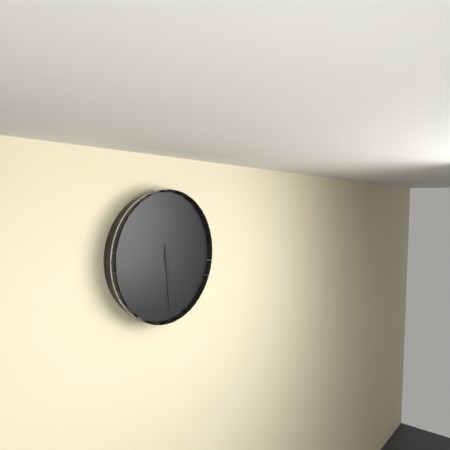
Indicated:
5,29
